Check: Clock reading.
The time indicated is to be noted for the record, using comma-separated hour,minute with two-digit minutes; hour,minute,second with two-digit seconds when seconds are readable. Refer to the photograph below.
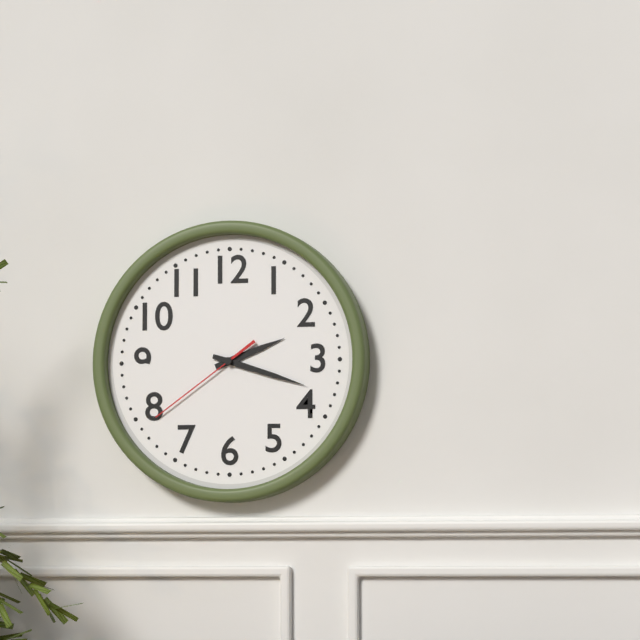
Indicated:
2,18,39
